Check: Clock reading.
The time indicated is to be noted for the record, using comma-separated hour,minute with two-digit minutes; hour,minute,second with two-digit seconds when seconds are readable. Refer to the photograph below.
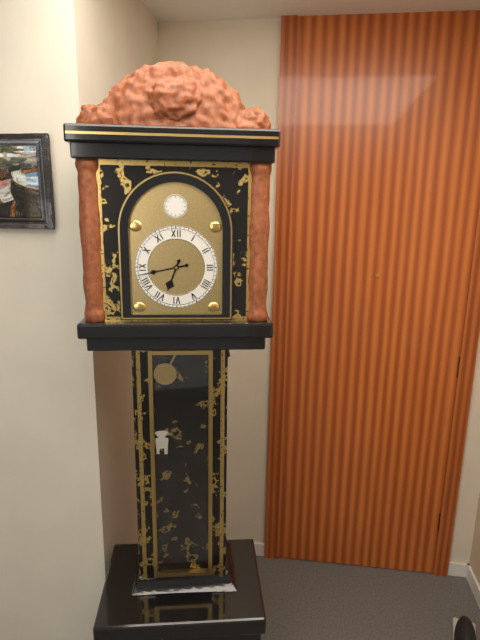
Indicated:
6,43
